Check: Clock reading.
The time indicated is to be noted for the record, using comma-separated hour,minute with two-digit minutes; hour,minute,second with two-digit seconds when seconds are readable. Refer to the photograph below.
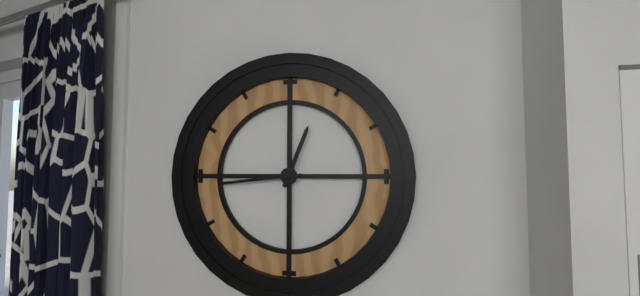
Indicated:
12,44
